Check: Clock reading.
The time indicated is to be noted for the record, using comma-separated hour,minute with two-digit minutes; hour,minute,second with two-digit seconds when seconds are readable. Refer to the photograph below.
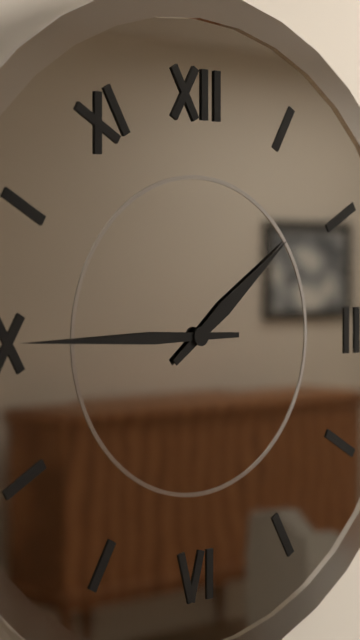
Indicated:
1,45
